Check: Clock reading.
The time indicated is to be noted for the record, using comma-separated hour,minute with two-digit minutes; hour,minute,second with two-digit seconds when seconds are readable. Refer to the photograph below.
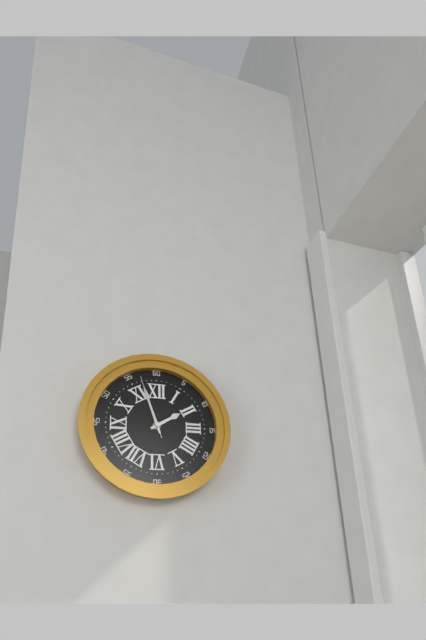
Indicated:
1,57,57
